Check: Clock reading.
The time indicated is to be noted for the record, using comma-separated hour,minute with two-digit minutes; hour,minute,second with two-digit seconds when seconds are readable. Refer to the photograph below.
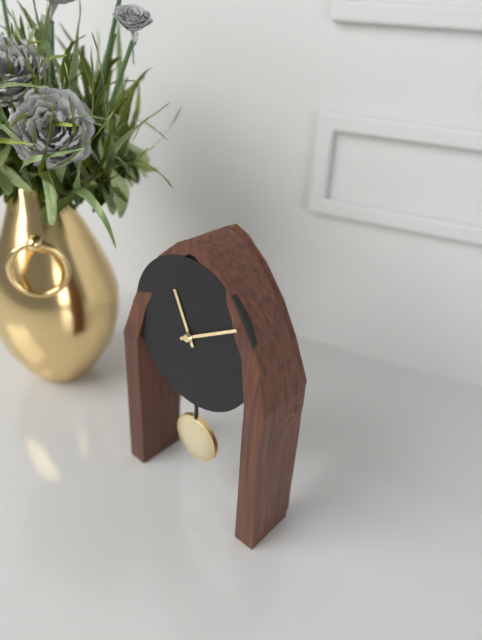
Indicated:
11,10
